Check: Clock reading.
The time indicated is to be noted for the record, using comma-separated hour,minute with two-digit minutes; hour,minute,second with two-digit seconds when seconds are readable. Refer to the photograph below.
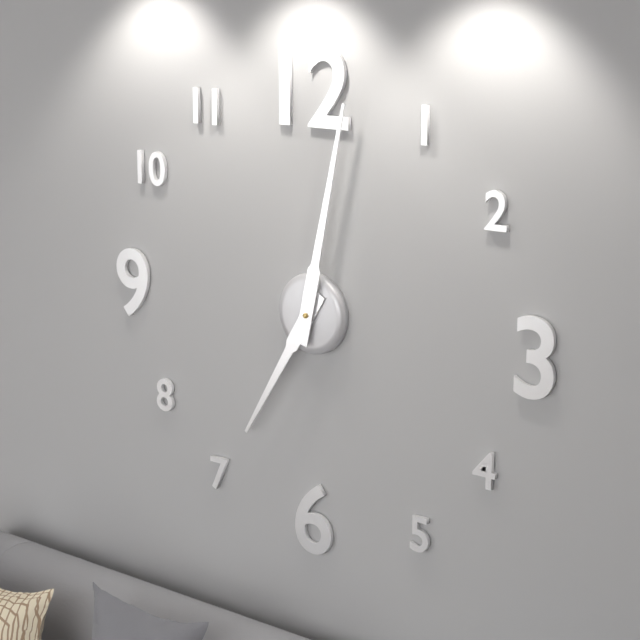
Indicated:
7,02
